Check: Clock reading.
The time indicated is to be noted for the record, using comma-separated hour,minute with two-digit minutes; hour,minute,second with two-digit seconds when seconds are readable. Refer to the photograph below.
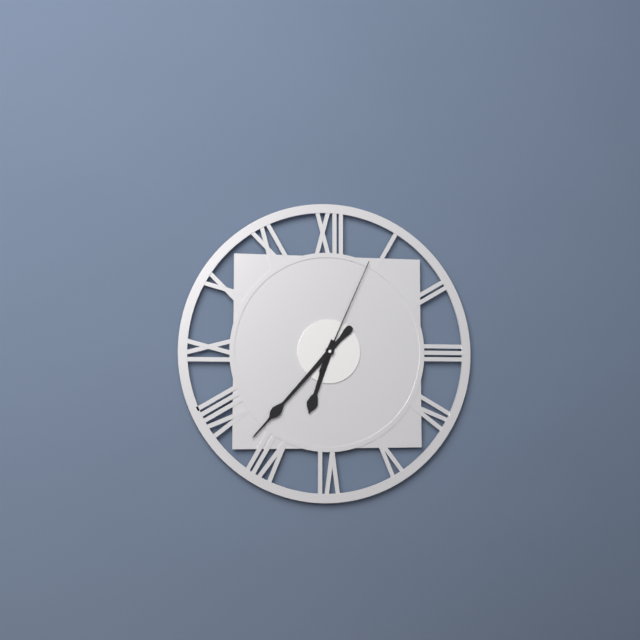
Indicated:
6,37,04
